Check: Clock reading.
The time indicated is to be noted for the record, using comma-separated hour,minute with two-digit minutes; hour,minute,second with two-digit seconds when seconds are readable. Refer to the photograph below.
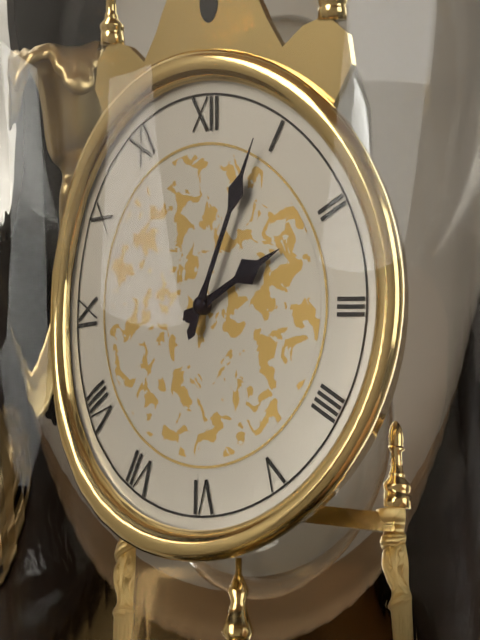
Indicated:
2,04
